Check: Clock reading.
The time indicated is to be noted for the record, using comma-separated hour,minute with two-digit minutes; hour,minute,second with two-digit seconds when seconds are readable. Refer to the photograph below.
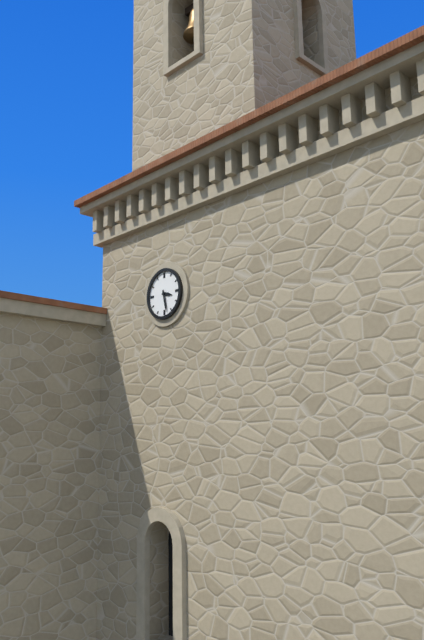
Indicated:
3,28
